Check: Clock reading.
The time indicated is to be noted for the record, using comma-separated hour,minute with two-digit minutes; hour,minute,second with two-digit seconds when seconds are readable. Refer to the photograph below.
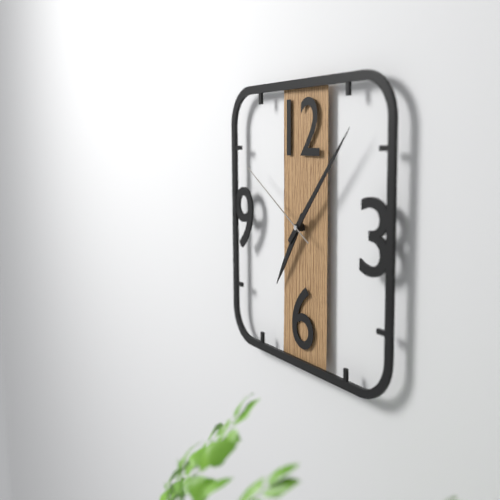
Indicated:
7,07,50
